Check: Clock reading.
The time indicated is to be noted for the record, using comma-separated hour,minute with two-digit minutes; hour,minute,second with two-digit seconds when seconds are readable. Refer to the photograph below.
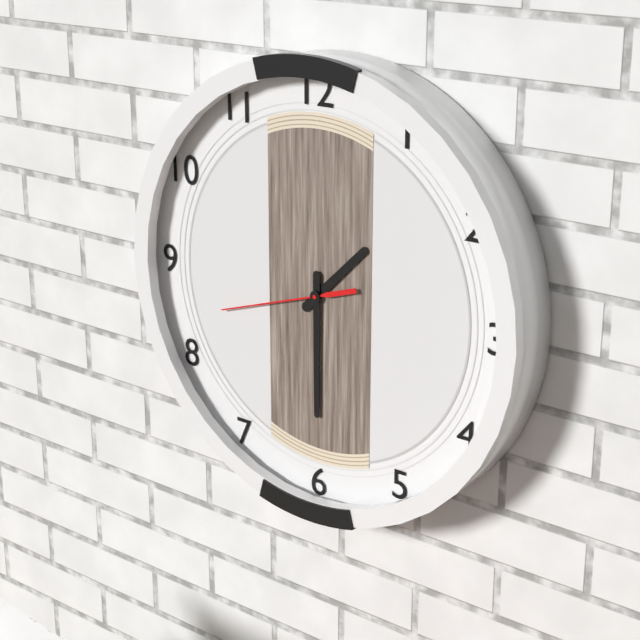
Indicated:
1,30,42
